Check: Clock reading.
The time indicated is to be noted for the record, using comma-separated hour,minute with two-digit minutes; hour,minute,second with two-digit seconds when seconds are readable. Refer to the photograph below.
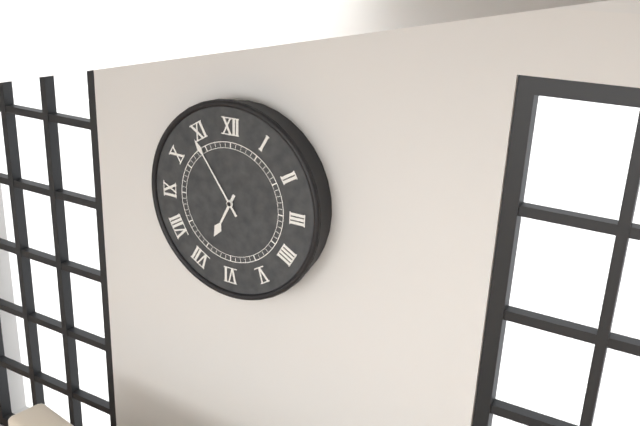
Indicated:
6,54
